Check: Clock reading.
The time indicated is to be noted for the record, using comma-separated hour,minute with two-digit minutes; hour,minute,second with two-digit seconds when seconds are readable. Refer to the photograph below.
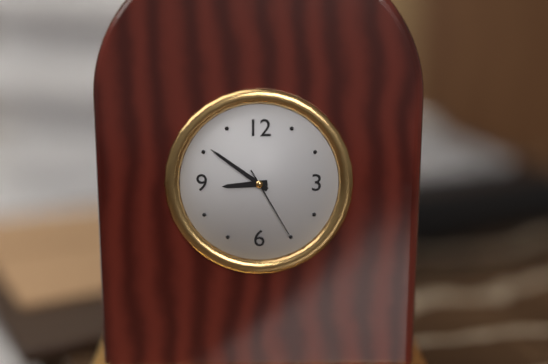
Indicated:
8,51,25
